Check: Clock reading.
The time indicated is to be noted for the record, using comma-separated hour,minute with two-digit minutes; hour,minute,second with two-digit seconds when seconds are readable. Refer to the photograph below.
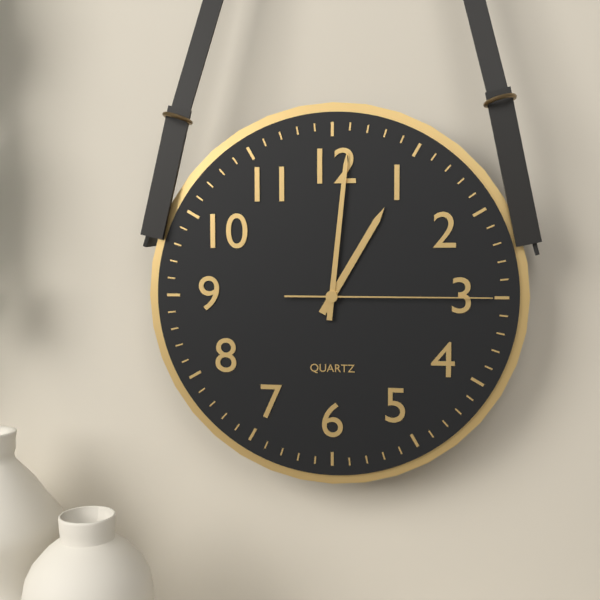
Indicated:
1,01,15
